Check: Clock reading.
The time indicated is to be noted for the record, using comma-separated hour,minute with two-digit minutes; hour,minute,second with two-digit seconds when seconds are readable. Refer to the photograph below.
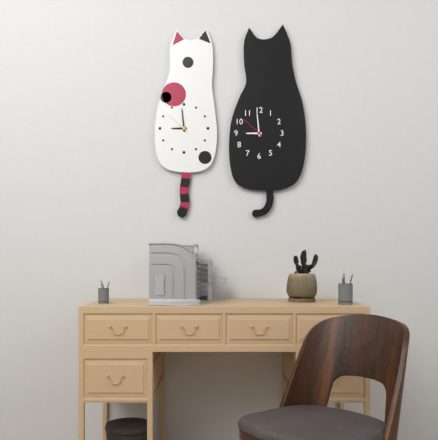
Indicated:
8,59
